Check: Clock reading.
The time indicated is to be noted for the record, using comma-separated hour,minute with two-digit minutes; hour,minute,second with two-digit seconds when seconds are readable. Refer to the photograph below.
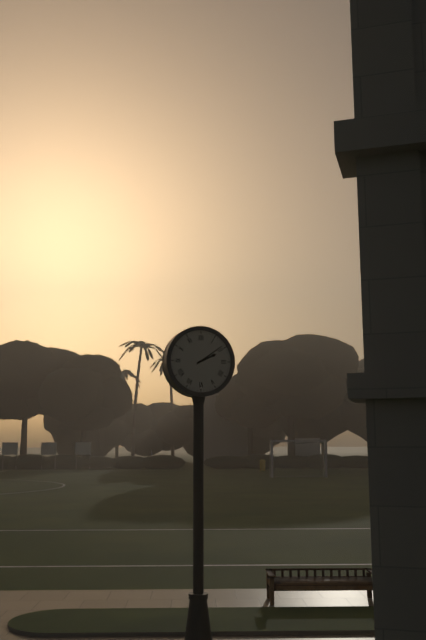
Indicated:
2,09
